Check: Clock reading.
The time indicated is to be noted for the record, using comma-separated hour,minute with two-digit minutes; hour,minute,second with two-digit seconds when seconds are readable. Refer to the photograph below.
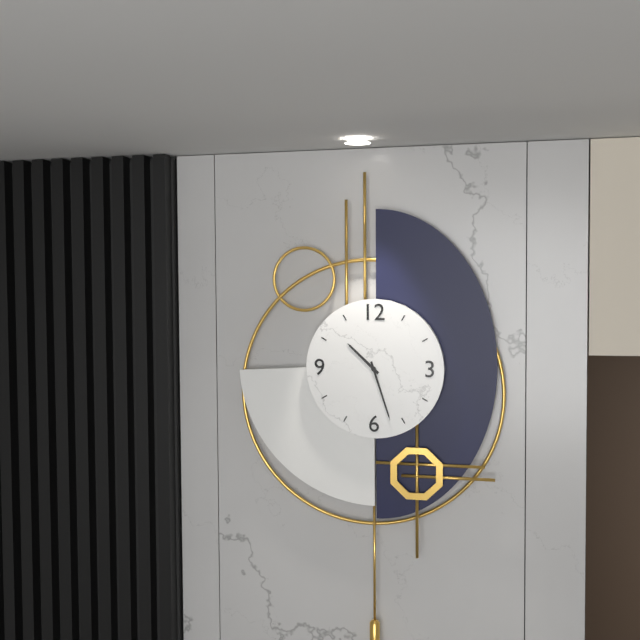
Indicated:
10,27
